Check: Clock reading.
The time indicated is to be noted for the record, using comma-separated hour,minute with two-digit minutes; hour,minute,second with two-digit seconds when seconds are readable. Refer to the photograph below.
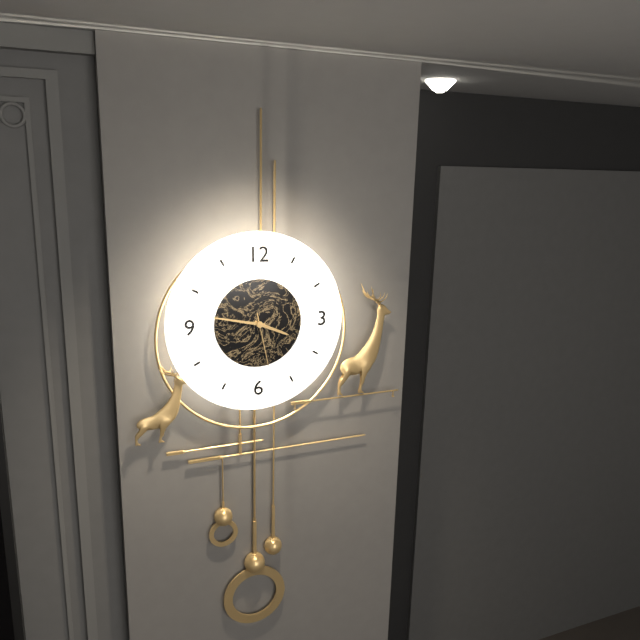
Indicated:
3,47,28
